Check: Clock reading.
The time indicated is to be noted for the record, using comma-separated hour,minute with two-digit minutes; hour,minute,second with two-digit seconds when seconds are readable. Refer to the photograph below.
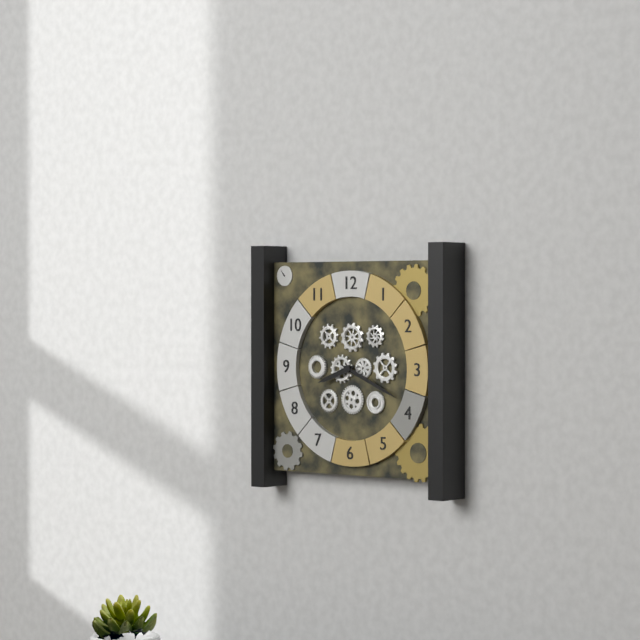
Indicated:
8,19
